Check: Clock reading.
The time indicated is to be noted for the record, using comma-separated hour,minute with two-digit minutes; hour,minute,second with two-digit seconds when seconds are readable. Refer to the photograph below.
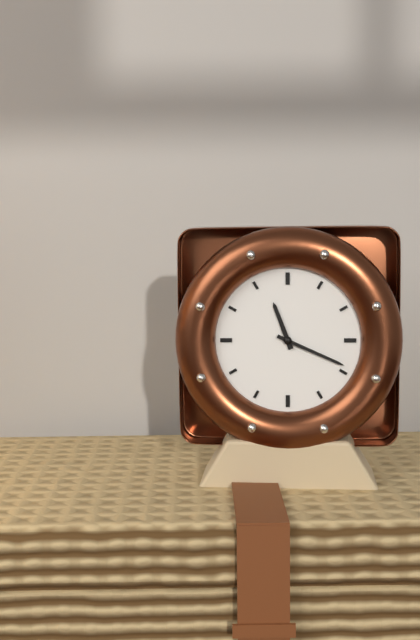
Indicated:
11,19
